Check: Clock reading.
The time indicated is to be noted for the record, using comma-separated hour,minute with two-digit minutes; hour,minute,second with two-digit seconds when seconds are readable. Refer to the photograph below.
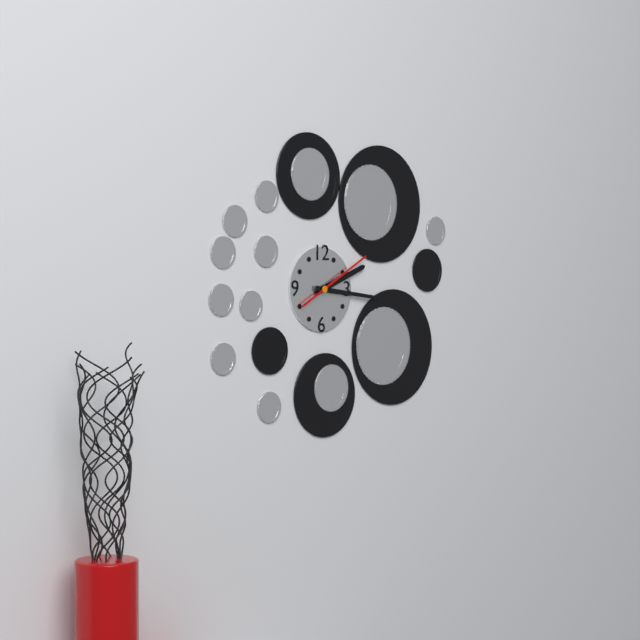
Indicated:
2,16,10
